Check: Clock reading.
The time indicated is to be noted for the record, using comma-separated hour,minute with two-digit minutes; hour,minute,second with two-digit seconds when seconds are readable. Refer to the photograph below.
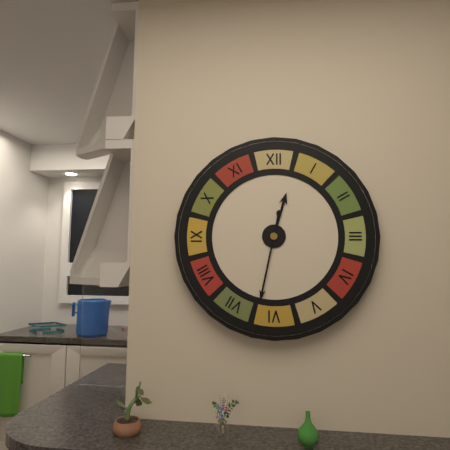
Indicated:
12,32
